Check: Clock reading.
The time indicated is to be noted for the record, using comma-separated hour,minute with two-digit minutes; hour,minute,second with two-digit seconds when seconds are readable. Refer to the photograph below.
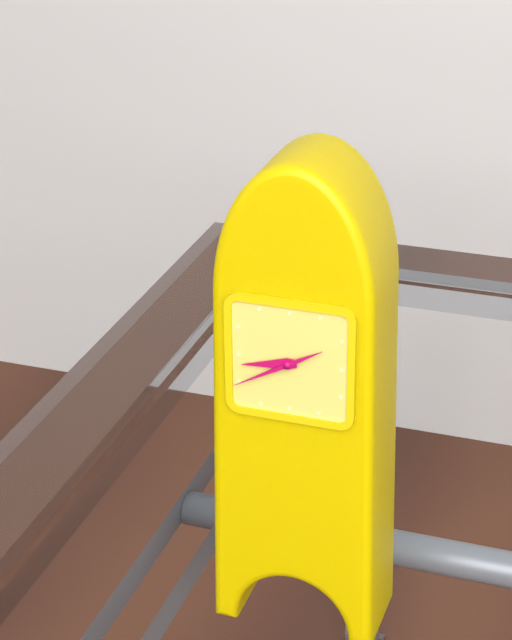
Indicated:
8,40
